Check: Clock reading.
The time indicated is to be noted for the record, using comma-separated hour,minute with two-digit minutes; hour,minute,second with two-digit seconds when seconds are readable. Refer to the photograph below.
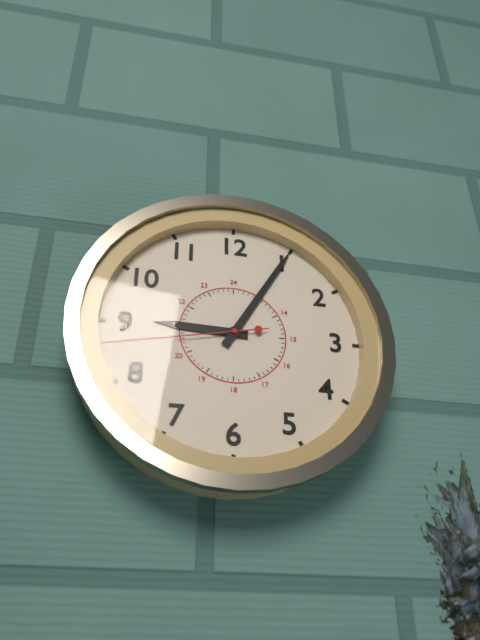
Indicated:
9,05,43
